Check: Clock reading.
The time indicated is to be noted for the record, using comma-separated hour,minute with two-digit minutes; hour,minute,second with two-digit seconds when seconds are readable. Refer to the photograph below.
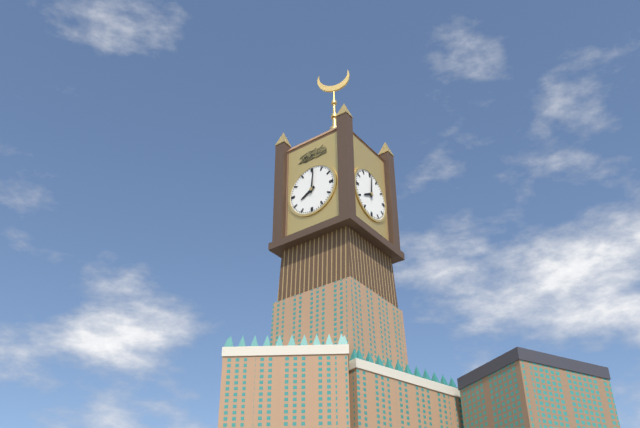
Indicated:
8,01
